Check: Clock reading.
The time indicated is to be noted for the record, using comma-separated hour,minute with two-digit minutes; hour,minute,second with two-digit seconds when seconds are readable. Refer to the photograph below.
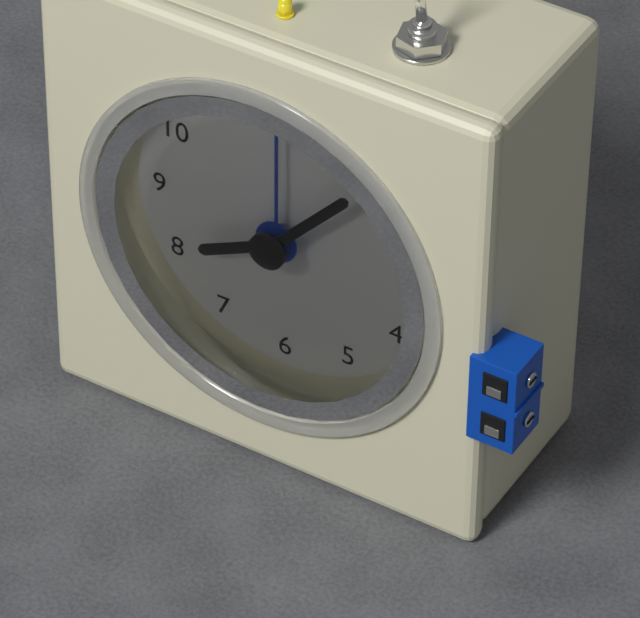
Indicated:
8,07,00
